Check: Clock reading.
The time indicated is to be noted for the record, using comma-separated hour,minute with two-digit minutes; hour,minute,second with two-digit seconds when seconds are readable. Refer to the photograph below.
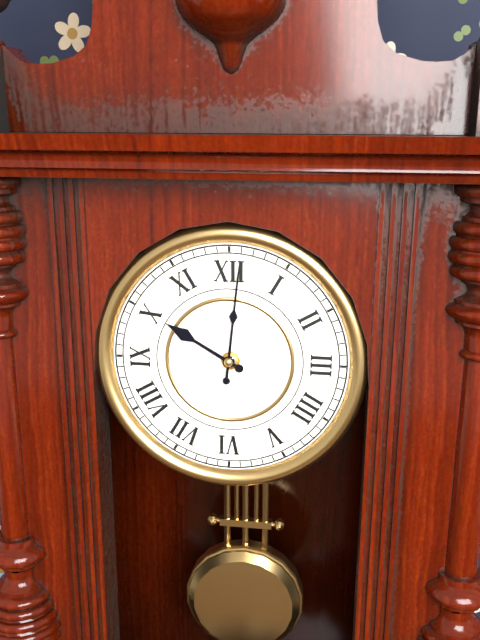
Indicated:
10,01
